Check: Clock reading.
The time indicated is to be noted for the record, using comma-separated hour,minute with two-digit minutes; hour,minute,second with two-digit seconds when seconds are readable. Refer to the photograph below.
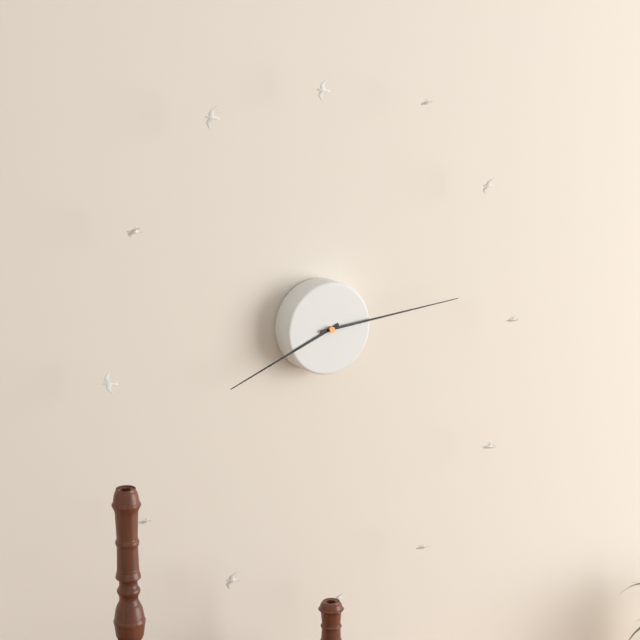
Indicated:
8,14
